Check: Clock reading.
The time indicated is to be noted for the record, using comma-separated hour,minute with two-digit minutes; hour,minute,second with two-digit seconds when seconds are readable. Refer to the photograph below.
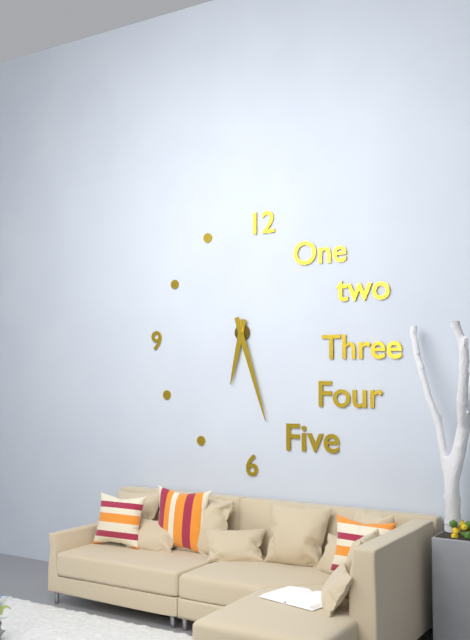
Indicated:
6,27
